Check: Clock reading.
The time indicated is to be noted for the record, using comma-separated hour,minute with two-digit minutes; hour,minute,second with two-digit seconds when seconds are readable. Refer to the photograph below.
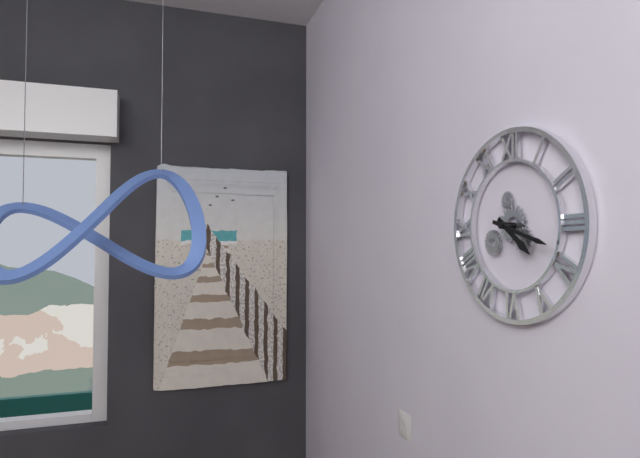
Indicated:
4,18
